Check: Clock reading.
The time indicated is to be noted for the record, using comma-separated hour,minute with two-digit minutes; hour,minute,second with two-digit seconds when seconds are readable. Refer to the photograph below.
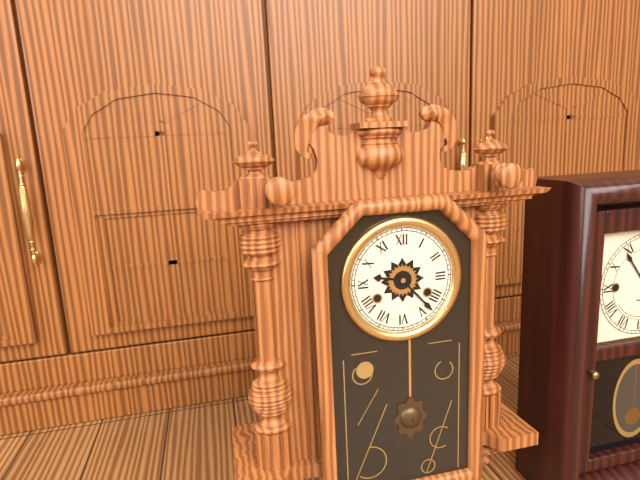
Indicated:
9,23
